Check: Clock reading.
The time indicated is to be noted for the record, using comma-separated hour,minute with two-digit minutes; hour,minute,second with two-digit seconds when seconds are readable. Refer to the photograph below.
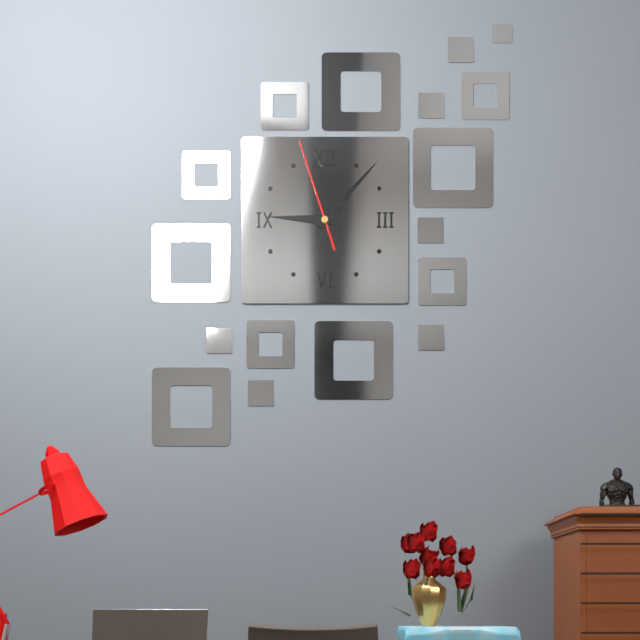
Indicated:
9,07,57
